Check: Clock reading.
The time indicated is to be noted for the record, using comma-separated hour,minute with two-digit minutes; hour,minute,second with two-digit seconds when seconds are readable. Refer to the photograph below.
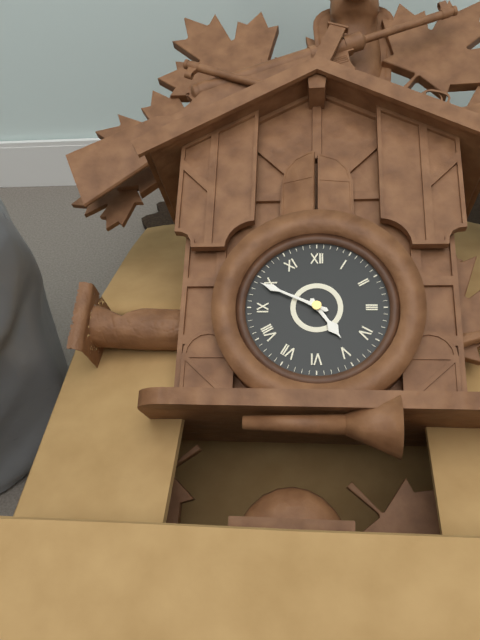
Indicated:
4,49
